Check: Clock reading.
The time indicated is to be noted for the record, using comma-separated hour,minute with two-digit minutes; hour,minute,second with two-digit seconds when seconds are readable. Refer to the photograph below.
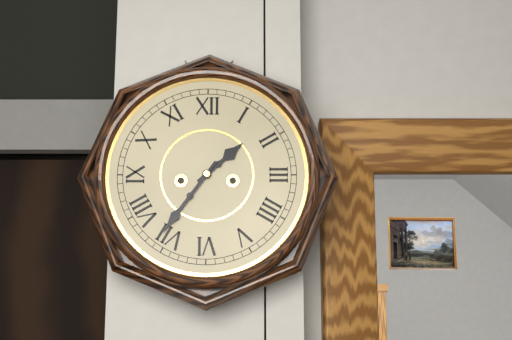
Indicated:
1,36
